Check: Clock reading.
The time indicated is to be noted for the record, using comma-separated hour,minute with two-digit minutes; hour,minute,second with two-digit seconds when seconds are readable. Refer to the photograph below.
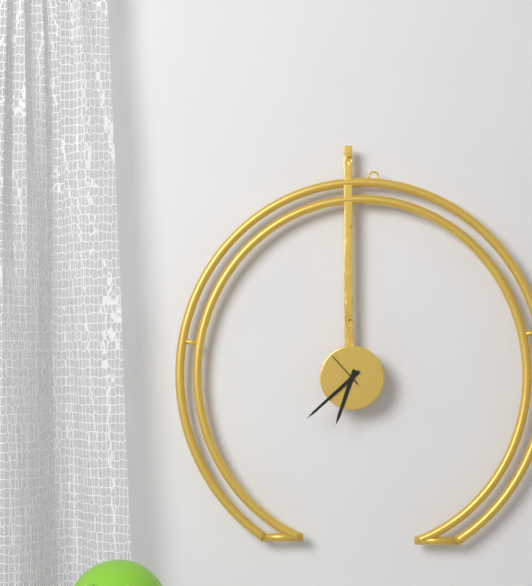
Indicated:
6,38
